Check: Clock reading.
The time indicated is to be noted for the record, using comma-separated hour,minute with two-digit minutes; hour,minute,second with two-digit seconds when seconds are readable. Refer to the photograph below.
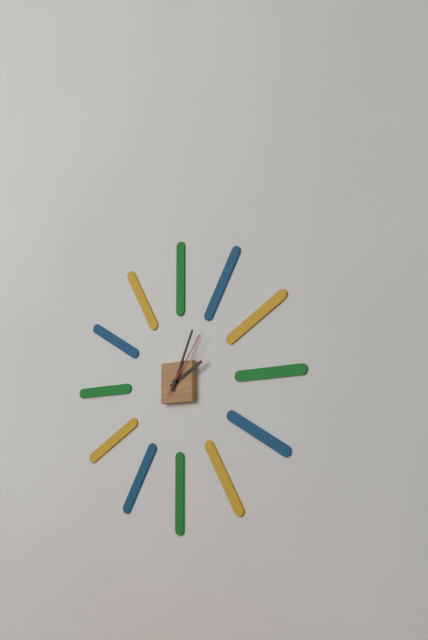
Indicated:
2,04,06
